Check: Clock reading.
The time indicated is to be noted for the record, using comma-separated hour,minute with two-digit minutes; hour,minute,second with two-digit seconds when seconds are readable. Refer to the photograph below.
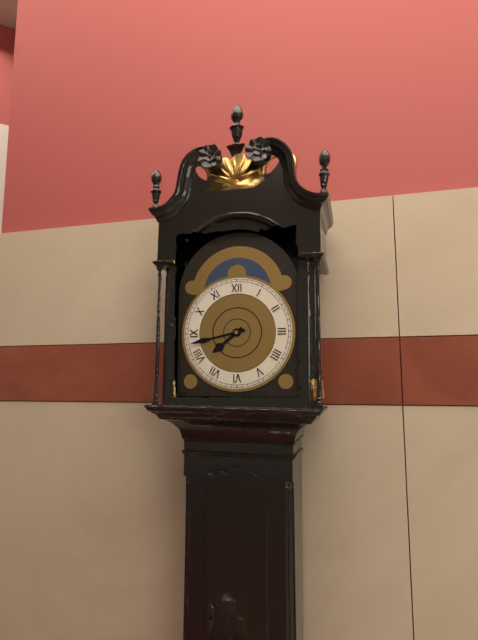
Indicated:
7,43
